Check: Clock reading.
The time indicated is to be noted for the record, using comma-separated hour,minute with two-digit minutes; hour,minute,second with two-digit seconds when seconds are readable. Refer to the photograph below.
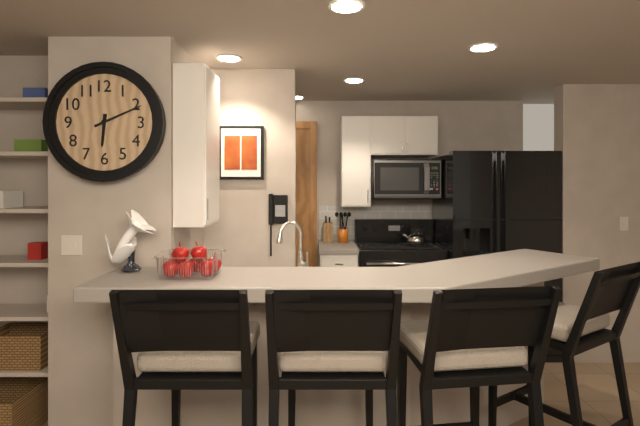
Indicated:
6,11
